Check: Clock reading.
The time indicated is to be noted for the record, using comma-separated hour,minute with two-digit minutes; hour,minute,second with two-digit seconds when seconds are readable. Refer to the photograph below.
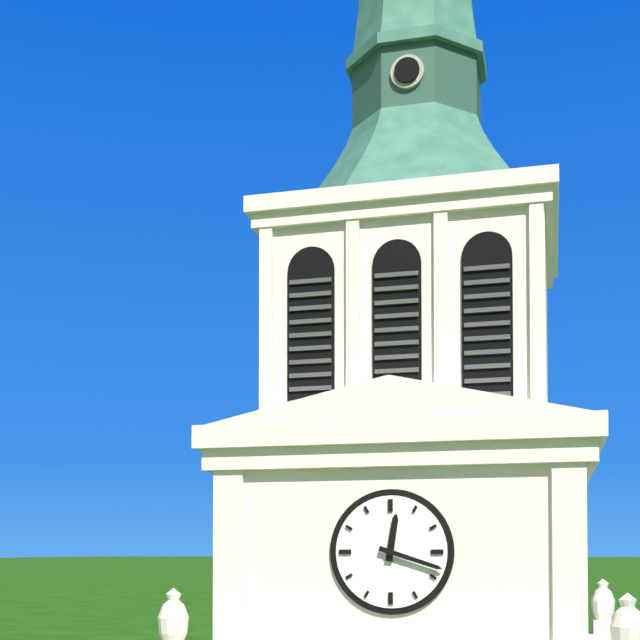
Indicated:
12,18
